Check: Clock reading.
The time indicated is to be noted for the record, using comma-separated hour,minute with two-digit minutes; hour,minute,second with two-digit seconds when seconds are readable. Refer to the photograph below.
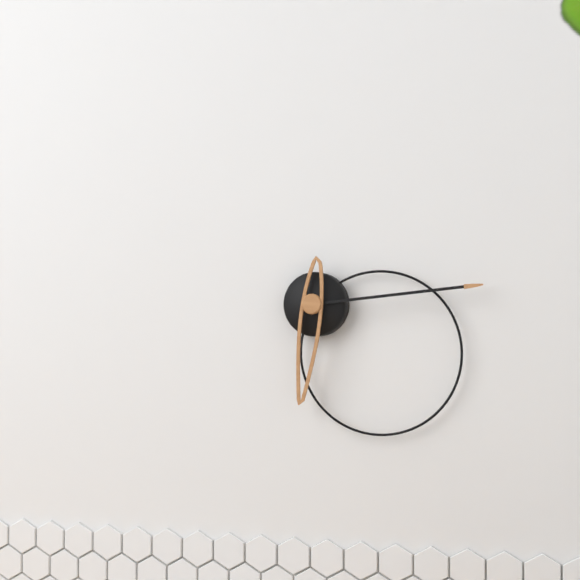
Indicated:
6,14
